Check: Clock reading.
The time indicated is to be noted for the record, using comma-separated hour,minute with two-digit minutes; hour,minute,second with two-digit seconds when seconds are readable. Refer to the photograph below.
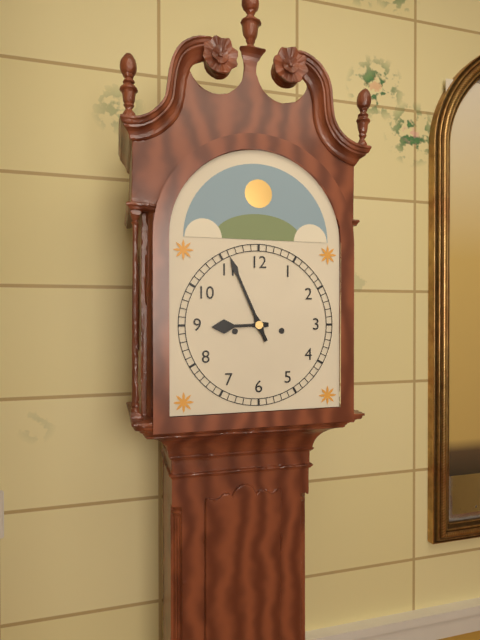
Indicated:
8,56
